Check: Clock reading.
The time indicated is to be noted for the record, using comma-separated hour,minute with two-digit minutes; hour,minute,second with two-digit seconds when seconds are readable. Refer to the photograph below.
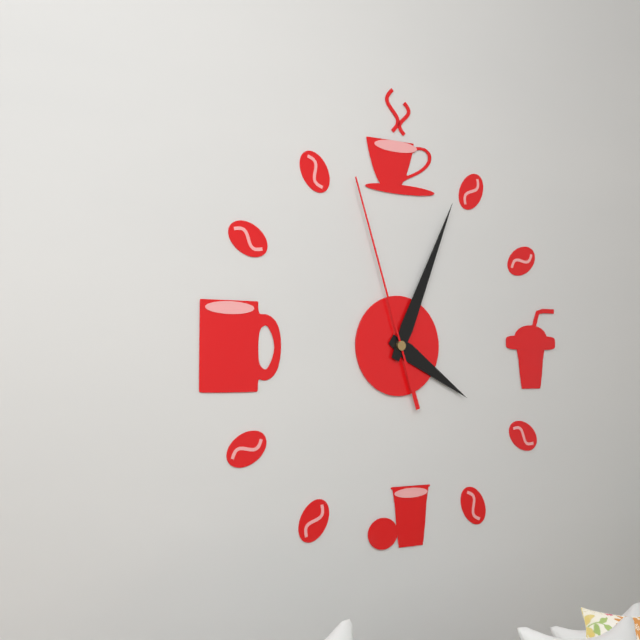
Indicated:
4,04,57
